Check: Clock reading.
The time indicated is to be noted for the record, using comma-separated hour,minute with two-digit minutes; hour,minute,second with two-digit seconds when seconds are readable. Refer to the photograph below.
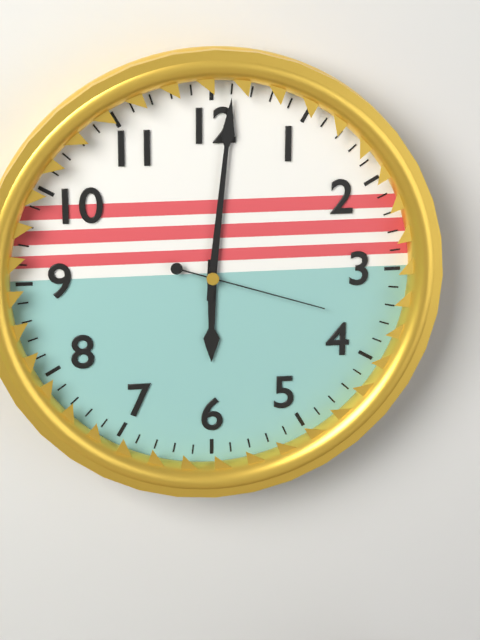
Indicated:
6,01,18
